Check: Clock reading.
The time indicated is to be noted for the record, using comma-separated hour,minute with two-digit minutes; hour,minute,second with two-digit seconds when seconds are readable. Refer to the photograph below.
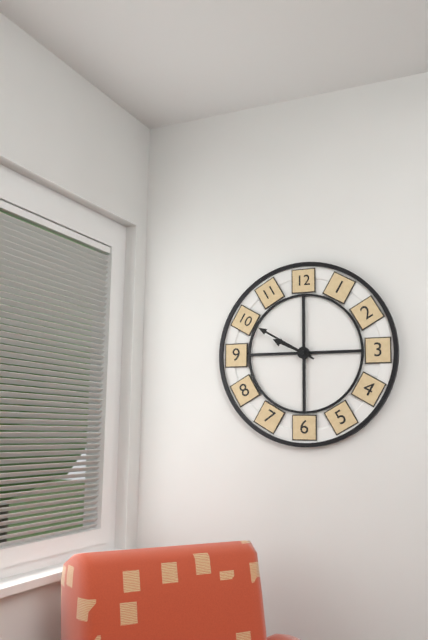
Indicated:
9,50
